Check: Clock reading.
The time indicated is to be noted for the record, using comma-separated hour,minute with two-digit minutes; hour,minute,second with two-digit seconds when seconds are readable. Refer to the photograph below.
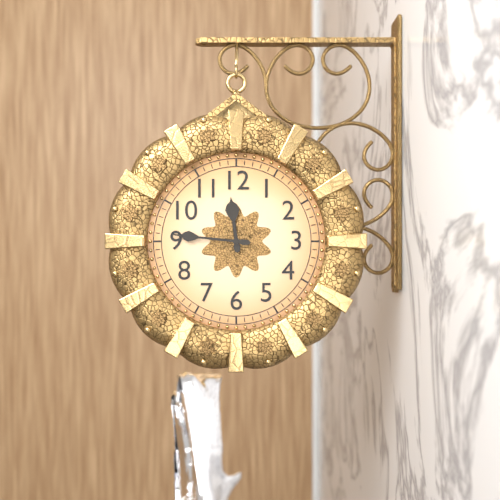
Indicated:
11,46
